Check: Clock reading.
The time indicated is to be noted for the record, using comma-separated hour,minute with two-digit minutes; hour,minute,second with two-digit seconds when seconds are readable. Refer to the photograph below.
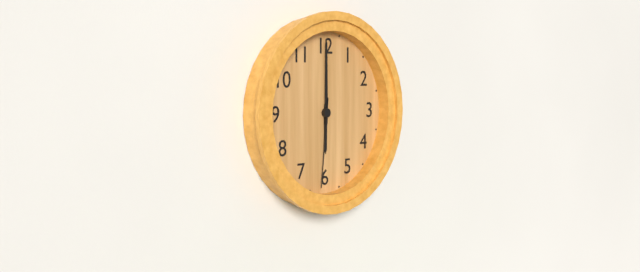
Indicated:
6,00,31
